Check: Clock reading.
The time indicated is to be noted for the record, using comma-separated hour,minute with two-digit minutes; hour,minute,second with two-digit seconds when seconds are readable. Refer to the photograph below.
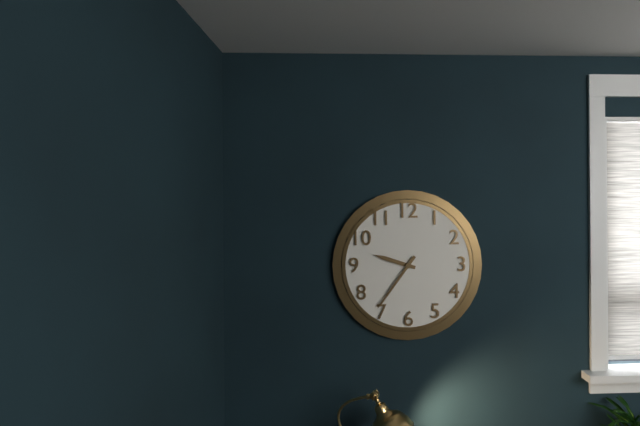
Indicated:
9,36
